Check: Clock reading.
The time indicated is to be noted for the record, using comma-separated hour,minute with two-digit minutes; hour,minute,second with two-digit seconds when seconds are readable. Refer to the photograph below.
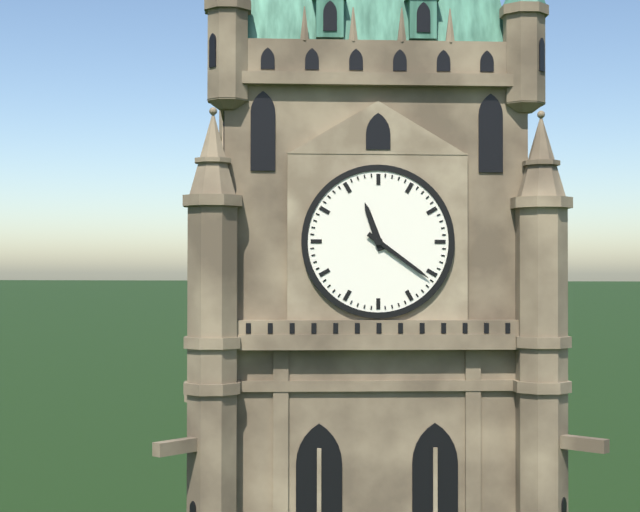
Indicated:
11,21
